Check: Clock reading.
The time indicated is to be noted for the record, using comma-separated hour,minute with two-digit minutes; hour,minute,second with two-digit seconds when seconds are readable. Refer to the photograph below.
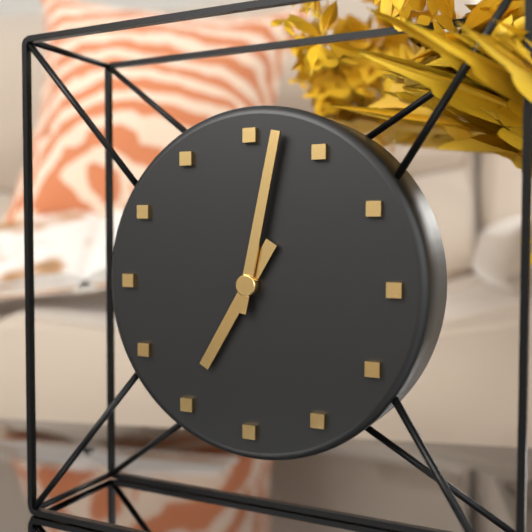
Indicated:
7,02
